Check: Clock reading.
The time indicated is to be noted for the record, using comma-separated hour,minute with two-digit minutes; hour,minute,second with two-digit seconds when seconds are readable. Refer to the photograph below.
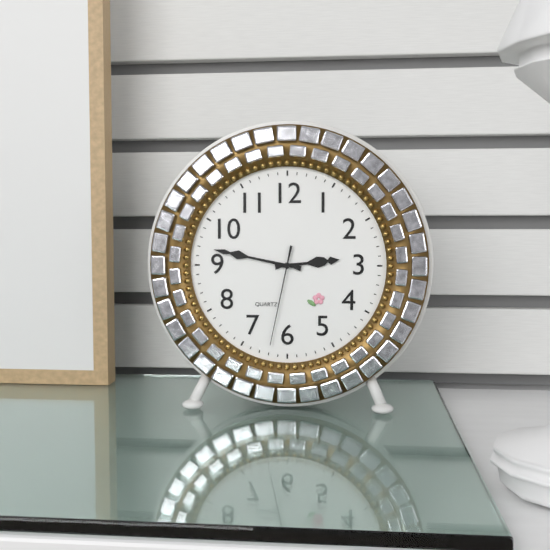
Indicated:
2,47,32
